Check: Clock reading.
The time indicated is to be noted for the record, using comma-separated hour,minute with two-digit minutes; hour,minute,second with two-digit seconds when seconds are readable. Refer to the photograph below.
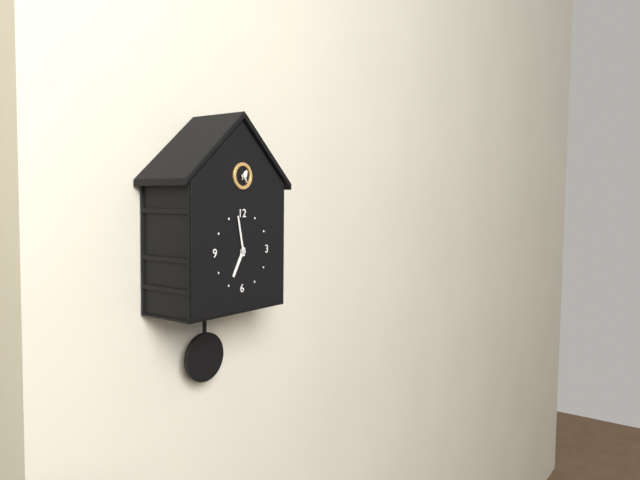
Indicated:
6,58
